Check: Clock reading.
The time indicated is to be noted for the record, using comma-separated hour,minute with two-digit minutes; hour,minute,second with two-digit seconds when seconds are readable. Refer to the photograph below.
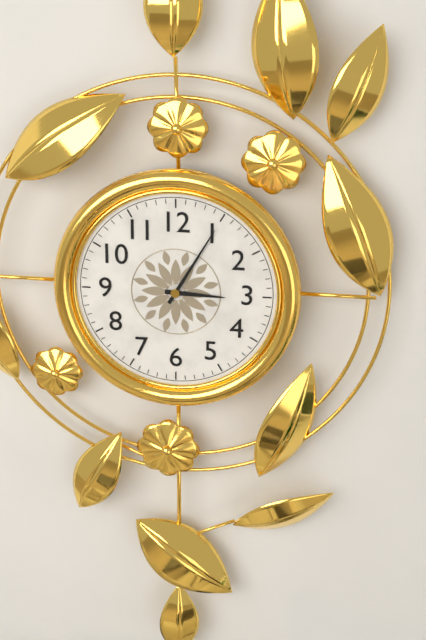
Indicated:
3,05
